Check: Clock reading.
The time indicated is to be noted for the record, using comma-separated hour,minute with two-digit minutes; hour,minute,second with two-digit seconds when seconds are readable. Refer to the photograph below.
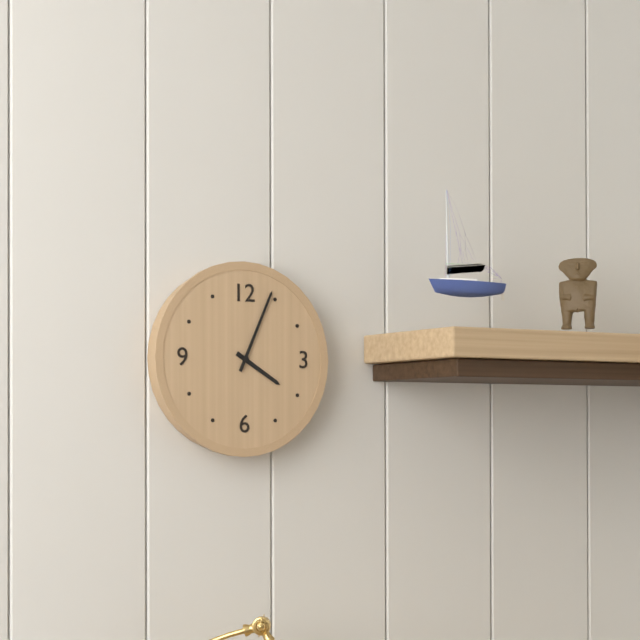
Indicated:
4,04
